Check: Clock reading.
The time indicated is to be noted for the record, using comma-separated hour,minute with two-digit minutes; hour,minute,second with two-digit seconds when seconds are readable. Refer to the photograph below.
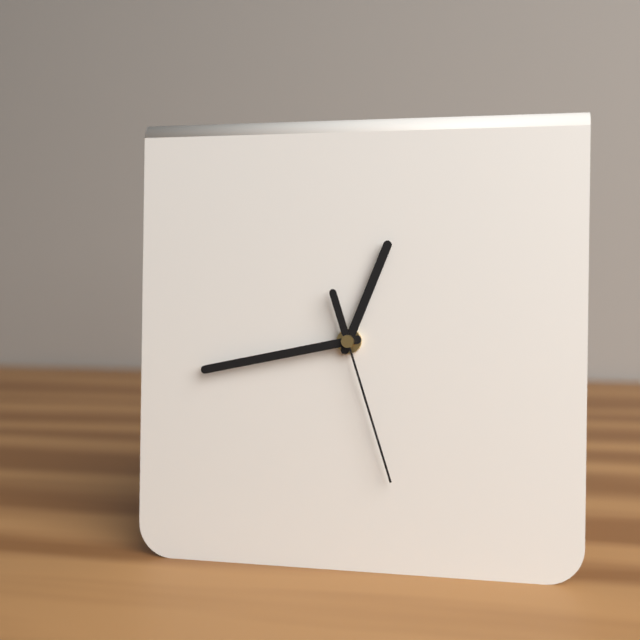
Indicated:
12,43,27
